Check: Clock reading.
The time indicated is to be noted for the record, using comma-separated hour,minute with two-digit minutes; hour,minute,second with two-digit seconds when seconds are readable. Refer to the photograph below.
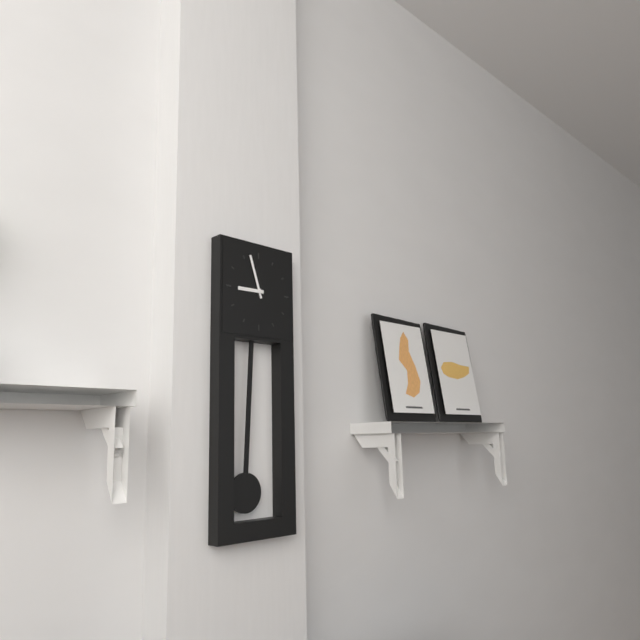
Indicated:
8,57
